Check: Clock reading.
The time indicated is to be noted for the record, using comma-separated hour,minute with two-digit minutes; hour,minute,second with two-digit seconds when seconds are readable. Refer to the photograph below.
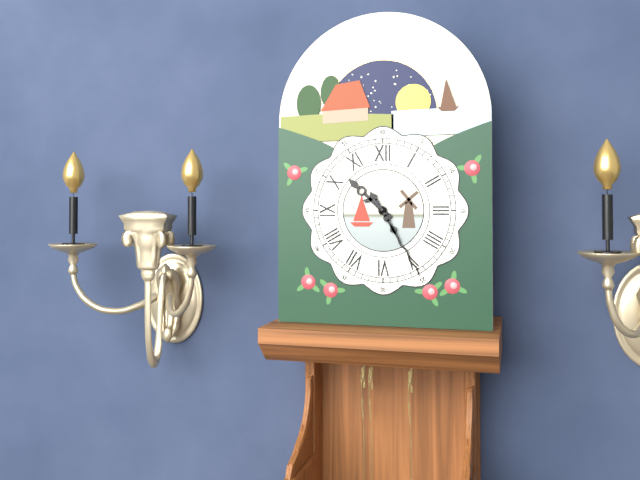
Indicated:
10,25
